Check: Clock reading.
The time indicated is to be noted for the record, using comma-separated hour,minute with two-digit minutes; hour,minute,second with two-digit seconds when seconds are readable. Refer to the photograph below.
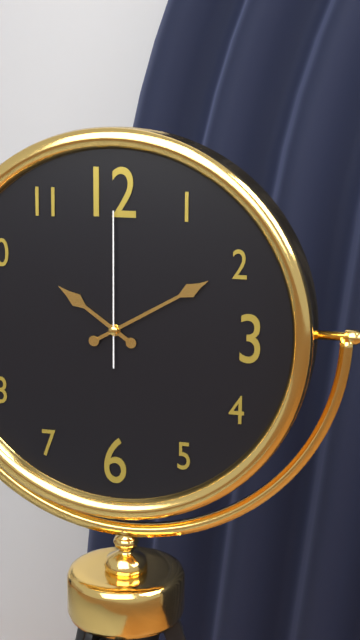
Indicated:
10,10,00
